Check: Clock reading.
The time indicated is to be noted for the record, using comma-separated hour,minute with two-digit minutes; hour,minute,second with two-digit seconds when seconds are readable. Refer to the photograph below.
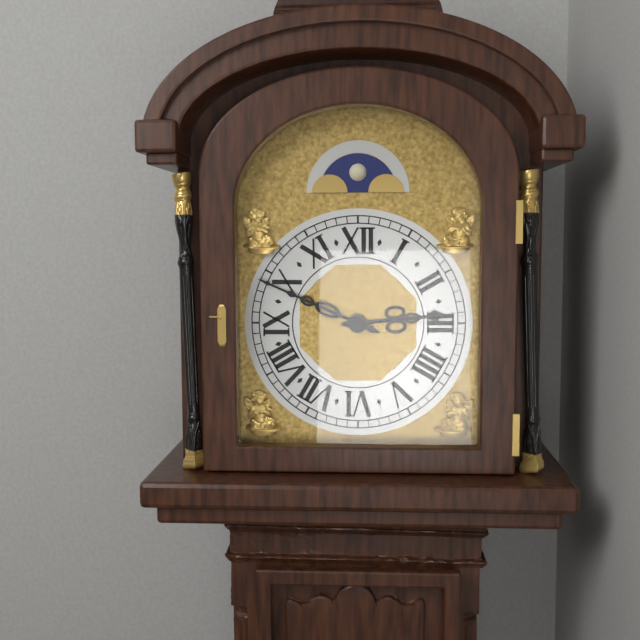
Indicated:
2,49
